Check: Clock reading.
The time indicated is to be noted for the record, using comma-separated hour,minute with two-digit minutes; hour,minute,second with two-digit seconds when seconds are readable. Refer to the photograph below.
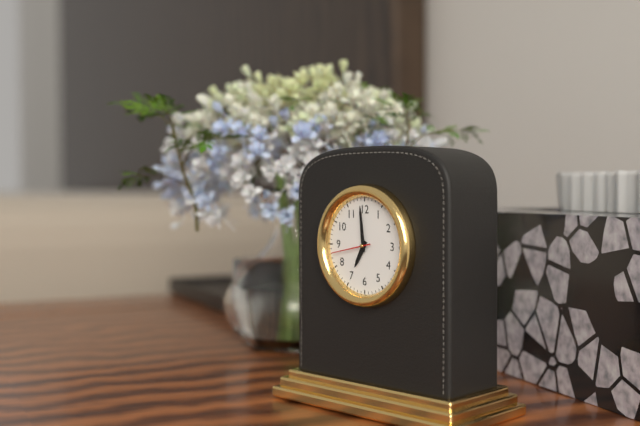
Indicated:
6,59
